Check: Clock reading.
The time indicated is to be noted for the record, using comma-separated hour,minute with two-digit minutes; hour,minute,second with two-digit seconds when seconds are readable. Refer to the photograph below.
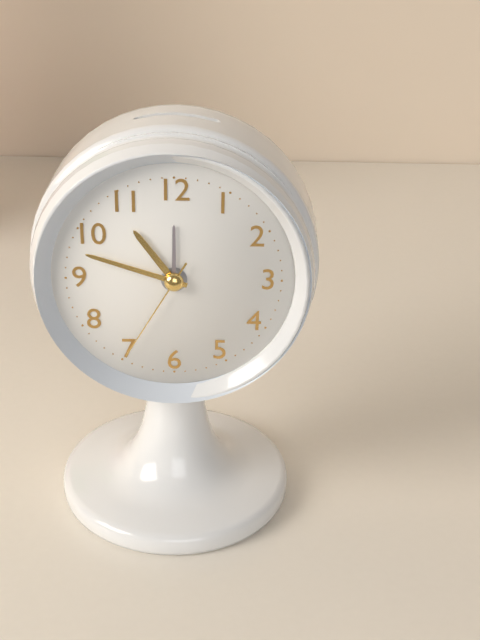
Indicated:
10,48,35
